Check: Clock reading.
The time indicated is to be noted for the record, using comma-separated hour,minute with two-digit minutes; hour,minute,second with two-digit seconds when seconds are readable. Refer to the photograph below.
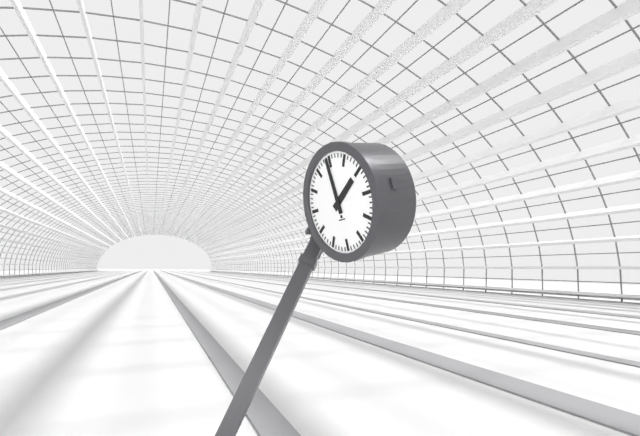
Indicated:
1,59
